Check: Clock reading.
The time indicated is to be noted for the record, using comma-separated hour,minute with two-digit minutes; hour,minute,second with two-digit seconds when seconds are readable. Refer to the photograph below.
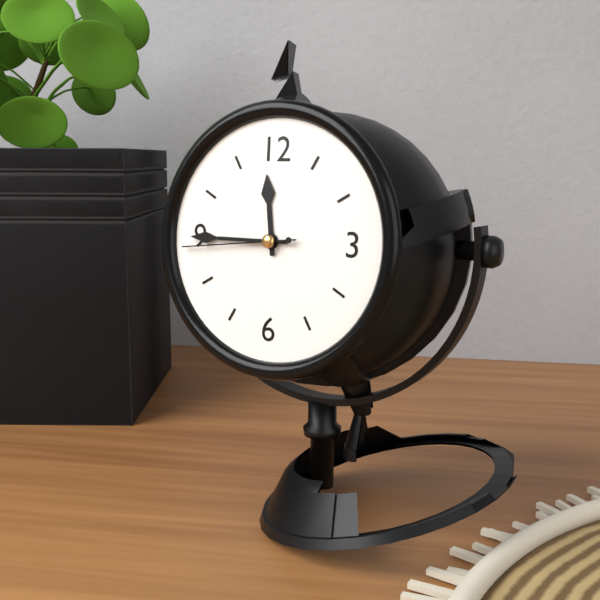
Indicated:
11,45,44
